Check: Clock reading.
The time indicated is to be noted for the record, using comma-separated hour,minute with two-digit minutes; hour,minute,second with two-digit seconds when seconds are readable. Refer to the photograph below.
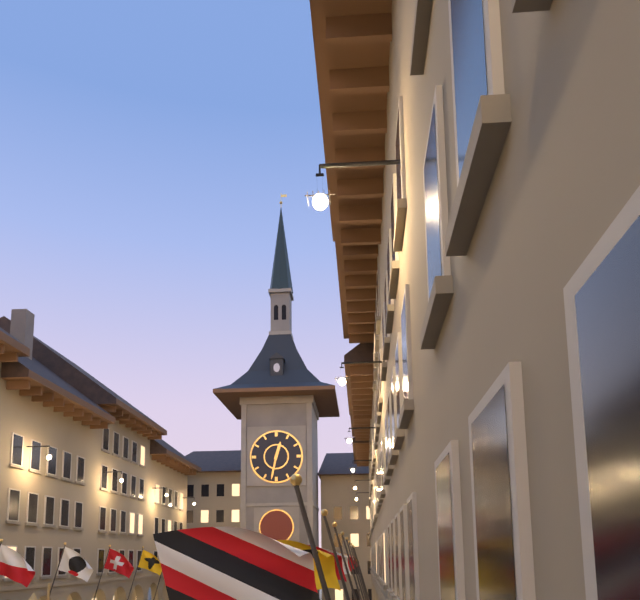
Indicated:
12,32
